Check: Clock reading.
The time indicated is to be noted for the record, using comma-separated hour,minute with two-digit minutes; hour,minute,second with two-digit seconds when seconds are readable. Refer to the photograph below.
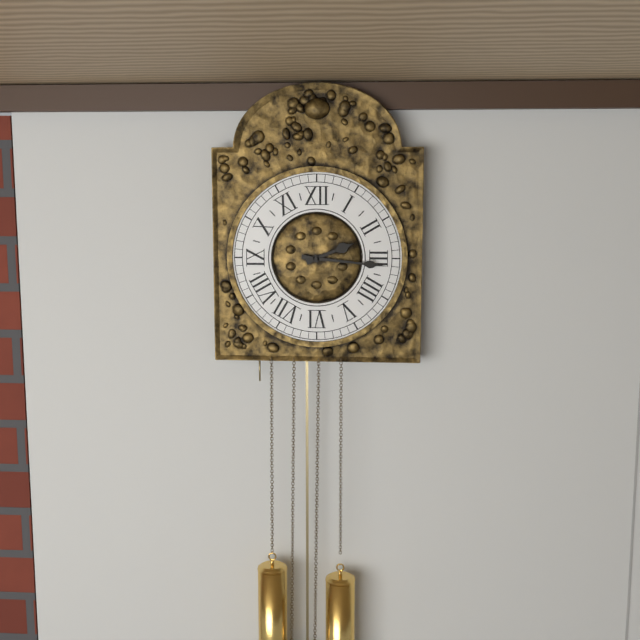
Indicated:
2,16
